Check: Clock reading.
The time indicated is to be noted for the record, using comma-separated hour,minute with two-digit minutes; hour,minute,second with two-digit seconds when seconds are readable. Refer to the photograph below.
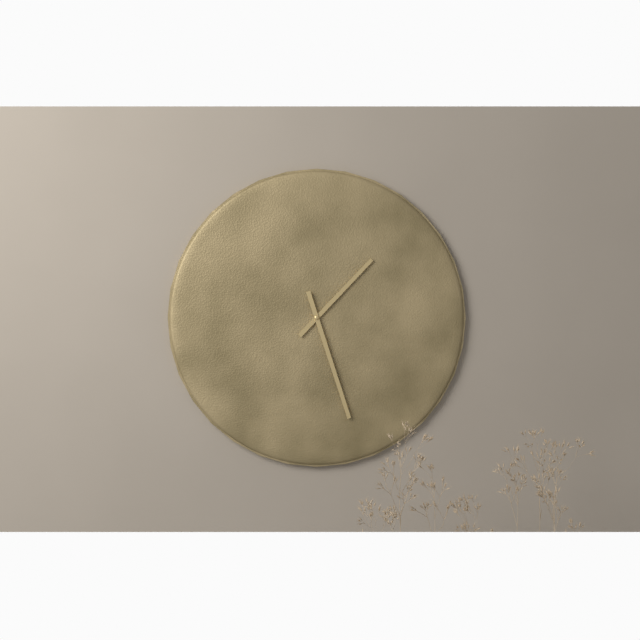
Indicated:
1,27
